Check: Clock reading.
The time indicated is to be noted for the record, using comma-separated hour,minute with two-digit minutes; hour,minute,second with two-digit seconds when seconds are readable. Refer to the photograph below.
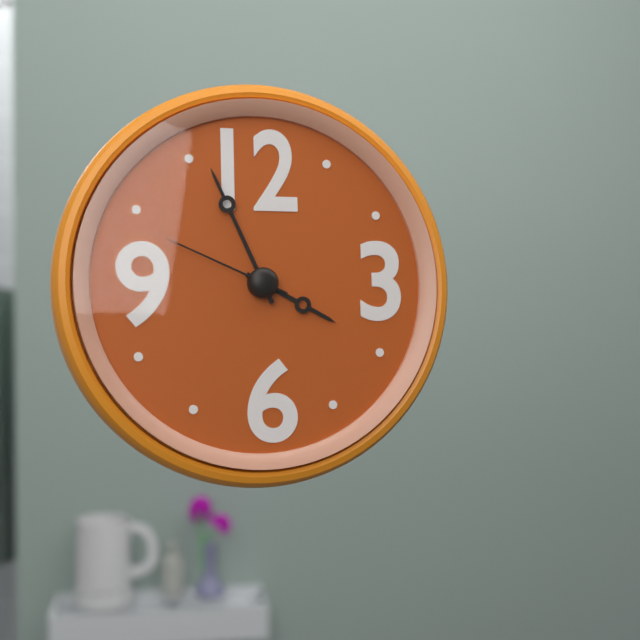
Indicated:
3,56,49
